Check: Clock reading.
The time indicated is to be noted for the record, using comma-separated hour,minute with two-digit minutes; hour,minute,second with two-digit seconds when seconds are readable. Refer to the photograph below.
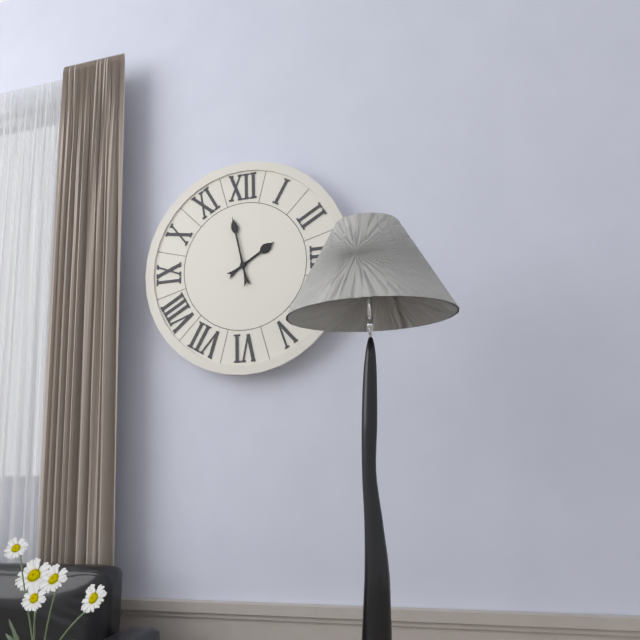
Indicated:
1,58
